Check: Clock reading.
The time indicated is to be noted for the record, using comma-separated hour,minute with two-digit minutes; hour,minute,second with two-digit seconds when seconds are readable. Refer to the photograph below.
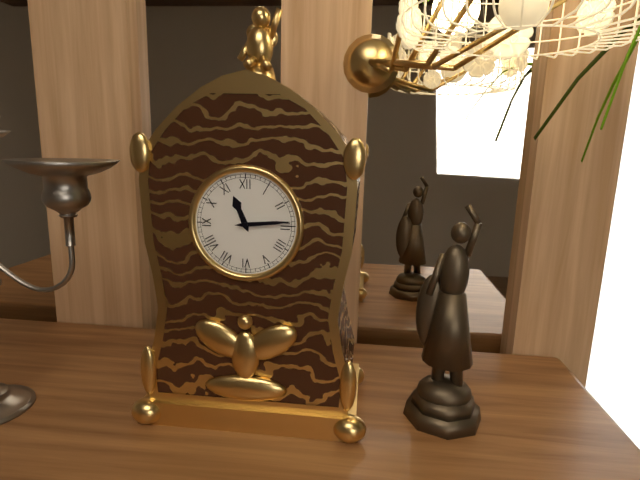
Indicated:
11,14
